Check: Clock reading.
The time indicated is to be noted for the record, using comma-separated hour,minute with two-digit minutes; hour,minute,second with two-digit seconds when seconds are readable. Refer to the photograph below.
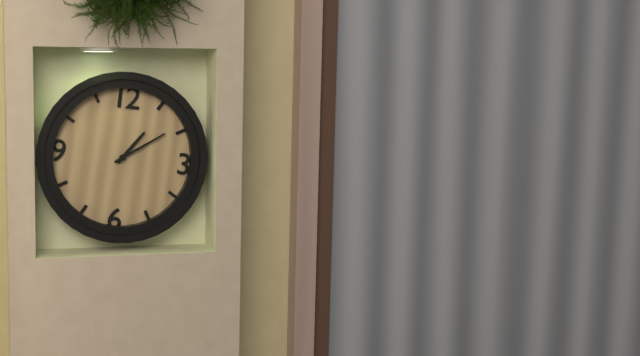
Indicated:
1,09
